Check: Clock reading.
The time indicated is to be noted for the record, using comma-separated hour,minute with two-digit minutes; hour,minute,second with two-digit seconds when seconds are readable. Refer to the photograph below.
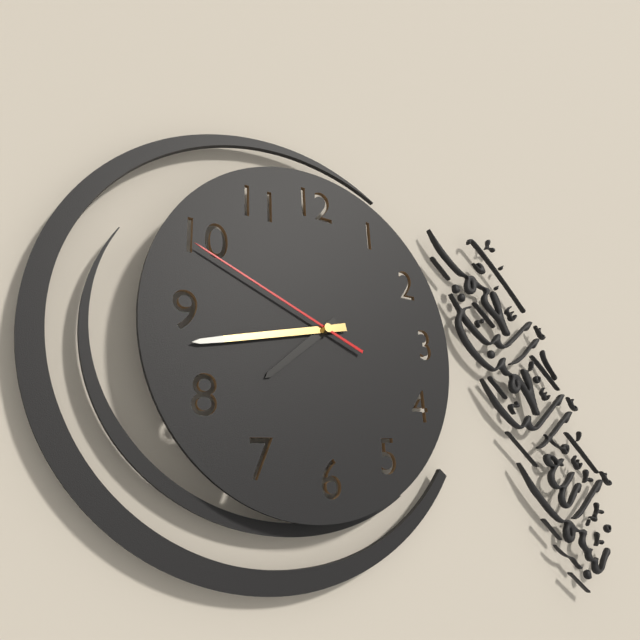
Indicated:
7,43,49
